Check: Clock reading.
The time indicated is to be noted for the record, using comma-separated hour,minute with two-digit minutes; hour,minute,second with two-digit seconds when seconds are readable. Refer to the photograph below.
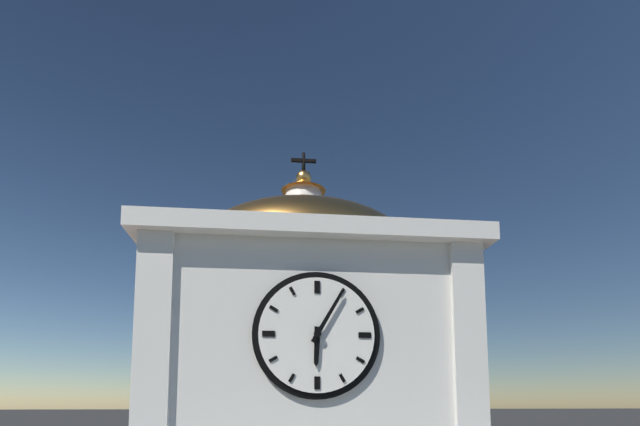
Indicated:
6,05
